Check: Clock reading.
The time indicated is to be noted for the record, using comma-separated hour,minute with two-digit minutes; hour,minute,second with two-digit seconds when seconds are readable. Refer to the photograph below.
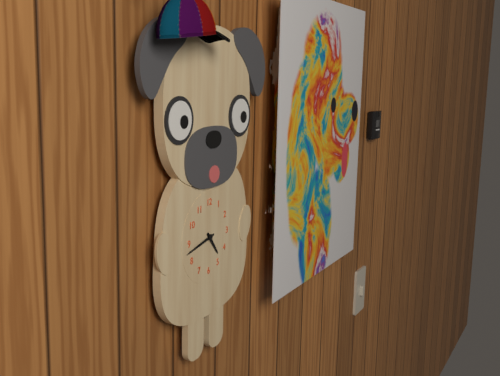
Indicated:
4,43
